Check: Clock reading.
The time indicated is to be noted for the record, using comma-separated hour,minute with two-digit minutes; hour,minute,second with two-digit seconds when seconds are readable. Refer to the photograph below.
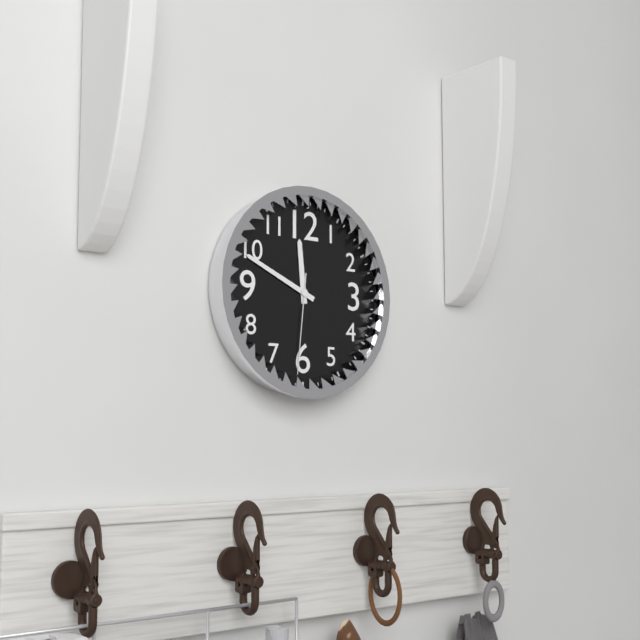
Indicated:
11,49,31
